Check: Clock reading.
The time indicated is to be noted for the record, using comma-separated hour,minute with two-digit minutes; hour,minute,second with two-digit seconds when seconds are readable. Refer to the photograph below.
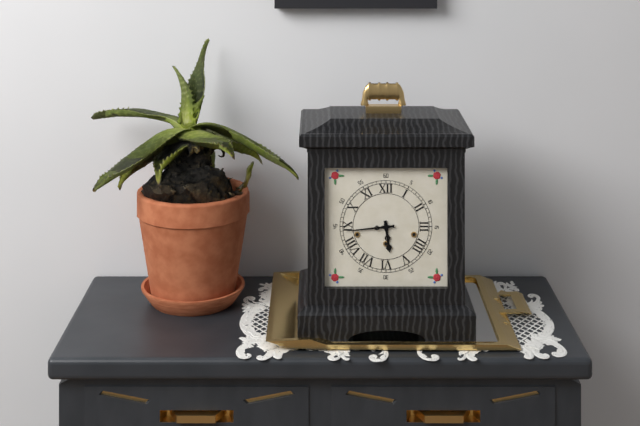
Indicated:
5,44
